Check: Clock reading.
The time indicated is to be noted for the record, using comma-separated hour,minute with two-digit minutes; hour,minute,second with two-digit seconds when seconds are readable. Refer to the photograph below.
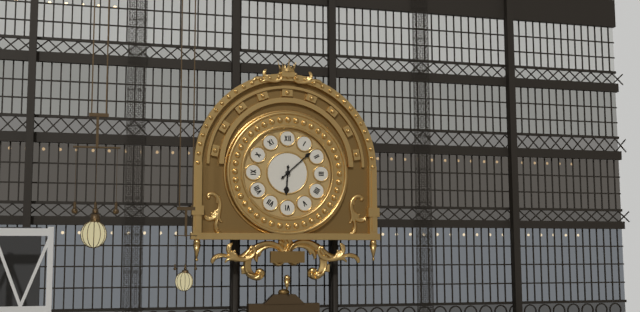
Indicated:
6,08
